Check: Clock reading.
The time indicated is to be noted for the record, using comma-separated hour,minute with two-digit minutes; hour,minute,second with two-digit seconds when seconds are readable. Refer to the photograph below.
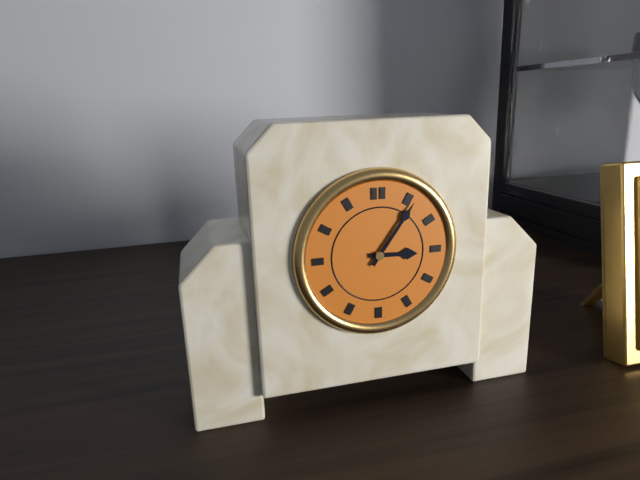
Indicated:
3,06
